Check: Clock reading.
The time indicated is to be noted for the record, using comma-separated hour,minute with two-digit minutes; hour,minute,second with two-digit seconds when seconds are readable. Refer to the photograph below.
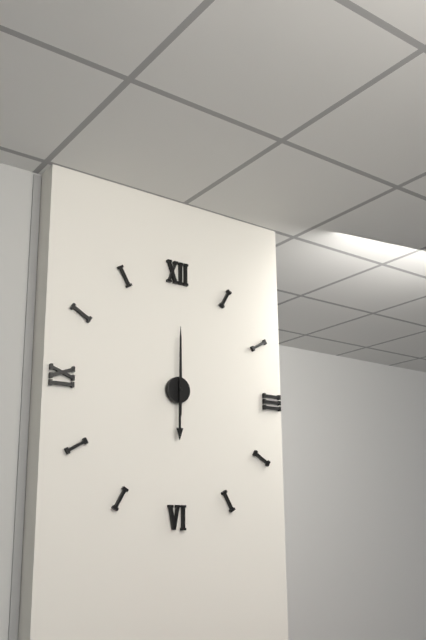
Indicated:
6,00
